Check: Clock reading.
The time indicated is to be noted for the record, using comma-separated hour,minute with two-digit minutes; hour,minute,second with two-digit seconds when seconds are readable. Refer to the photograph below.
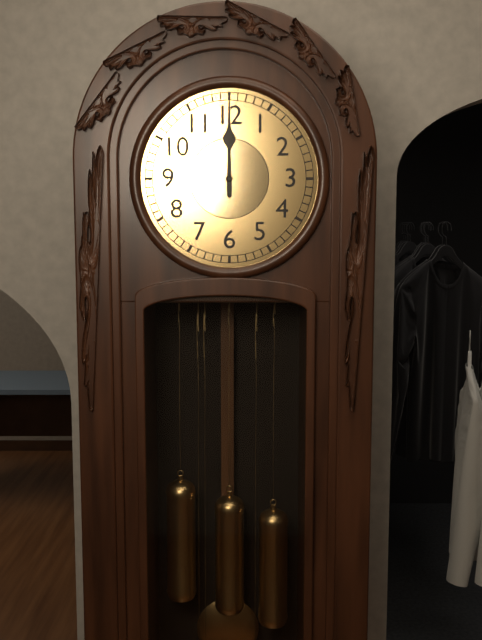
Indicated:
12,00
